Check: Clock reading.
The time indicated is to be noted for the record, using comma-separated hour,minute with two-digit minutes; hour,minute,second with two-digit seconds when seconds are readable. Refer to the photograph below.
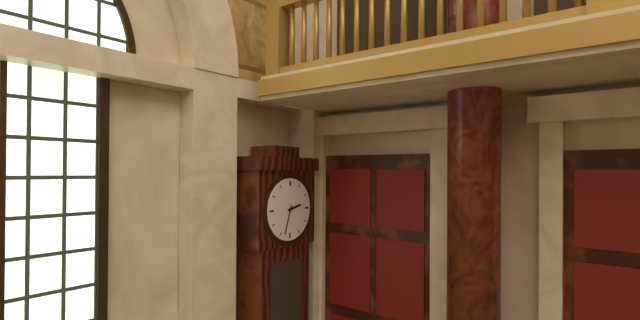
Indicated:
2,33
